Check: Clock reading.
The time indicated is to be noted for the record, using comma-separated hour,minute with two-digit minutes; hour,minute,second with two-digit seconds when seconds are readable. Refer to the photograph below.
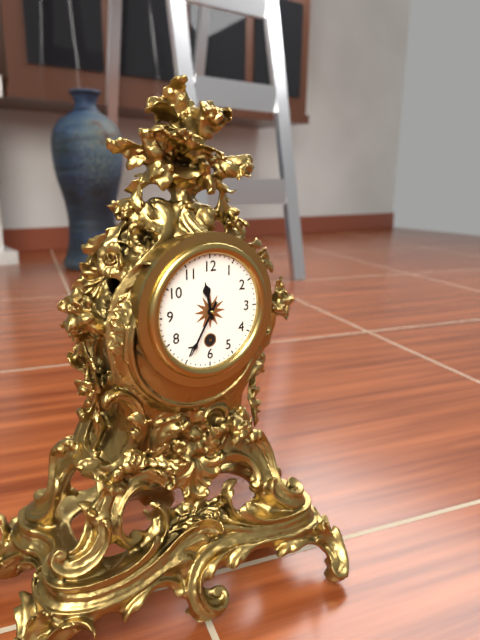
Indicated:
11,35
